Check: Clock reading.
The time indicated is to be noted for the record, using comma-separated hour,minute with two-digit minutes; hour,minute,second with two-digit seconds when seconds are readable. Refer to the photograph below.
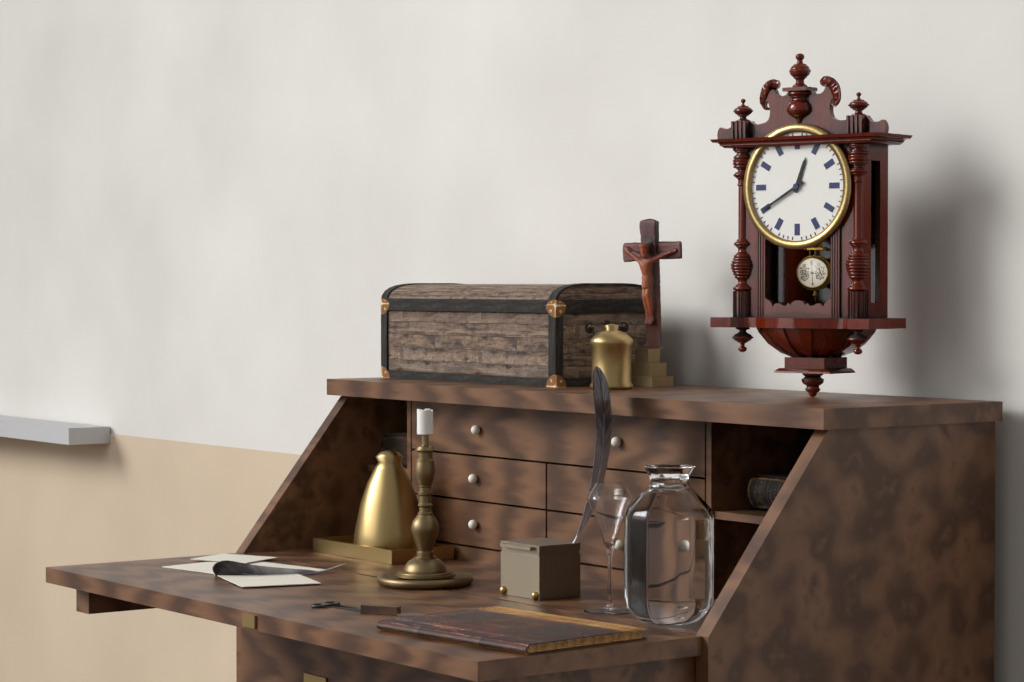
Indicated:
12,40
